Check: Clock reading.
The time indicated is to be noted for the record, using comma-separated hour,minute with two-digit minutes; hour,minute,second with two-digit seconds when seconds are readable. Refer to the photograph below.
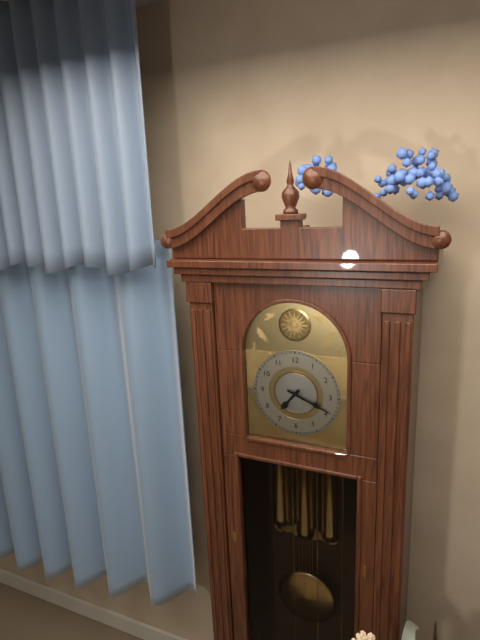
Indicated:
7,19
